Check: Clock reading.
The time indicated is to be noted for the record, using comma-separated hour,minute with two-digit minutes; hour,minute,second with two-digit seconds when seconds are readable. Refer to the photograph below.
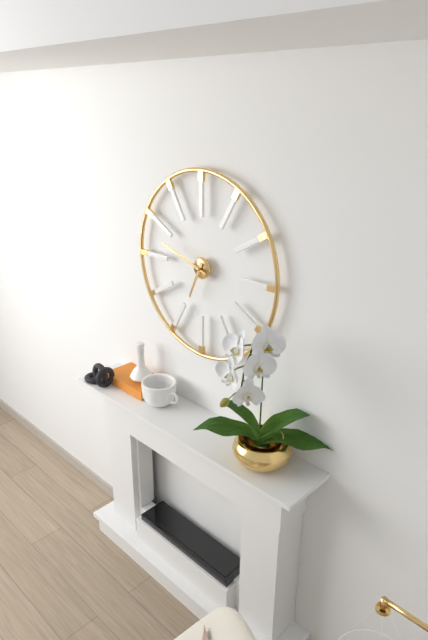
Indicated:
6,48
